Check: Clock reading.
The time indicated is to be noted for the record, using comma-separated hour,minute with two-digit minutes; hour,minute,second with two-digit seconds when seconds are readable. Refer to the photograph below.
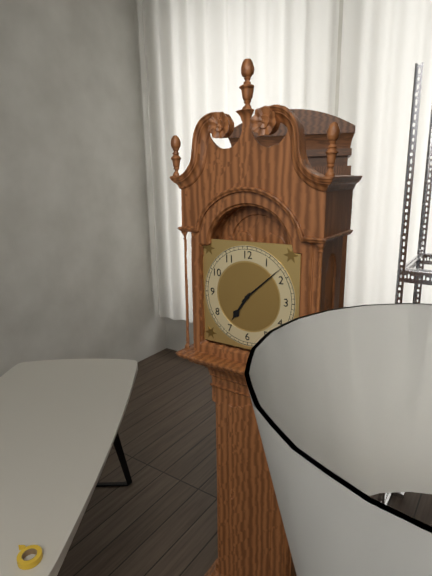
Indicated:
7,08
